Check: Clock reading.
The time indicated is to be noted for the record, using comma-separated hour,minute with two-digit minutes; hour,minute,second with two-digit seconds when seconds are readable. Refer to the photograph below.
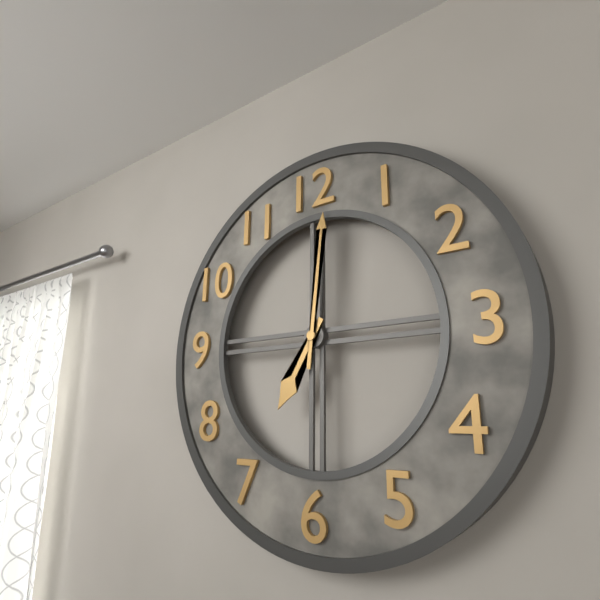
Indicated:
7,01
